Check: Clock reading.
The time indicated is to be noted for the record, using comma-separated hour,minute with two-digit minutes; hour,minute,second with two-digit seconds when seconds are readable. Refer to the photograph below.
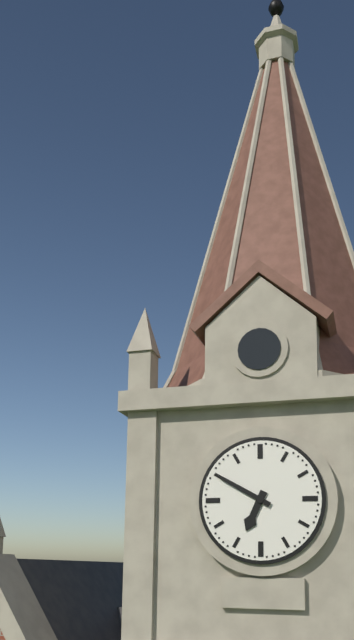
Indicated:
6,50
